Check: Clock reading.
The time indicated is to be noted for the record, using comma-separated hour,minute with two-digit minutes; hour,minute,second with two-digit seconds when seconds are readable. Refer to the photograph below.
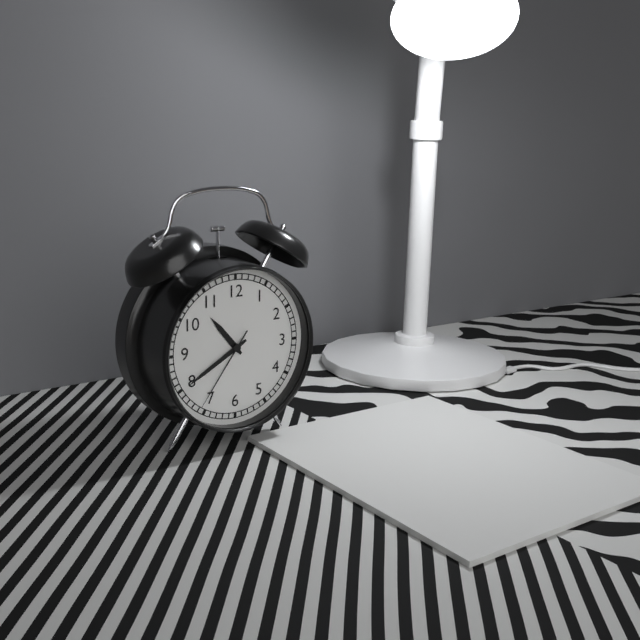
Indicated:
10,40,36
